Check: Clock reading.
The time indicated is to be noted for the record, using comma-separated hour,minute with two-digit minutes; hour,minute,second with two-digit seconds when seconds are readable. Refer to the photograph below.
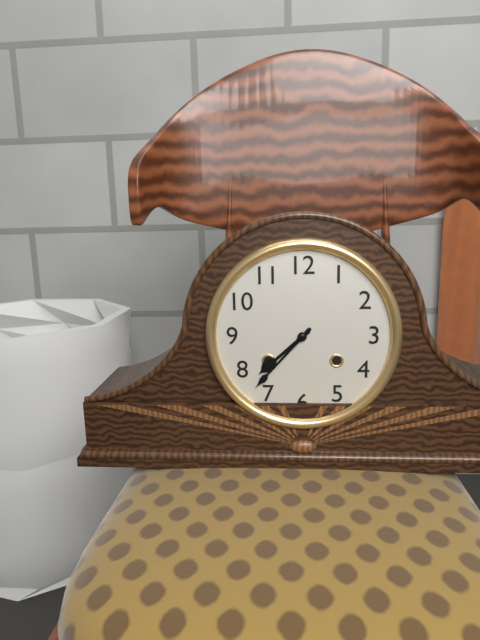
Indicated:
7,37
